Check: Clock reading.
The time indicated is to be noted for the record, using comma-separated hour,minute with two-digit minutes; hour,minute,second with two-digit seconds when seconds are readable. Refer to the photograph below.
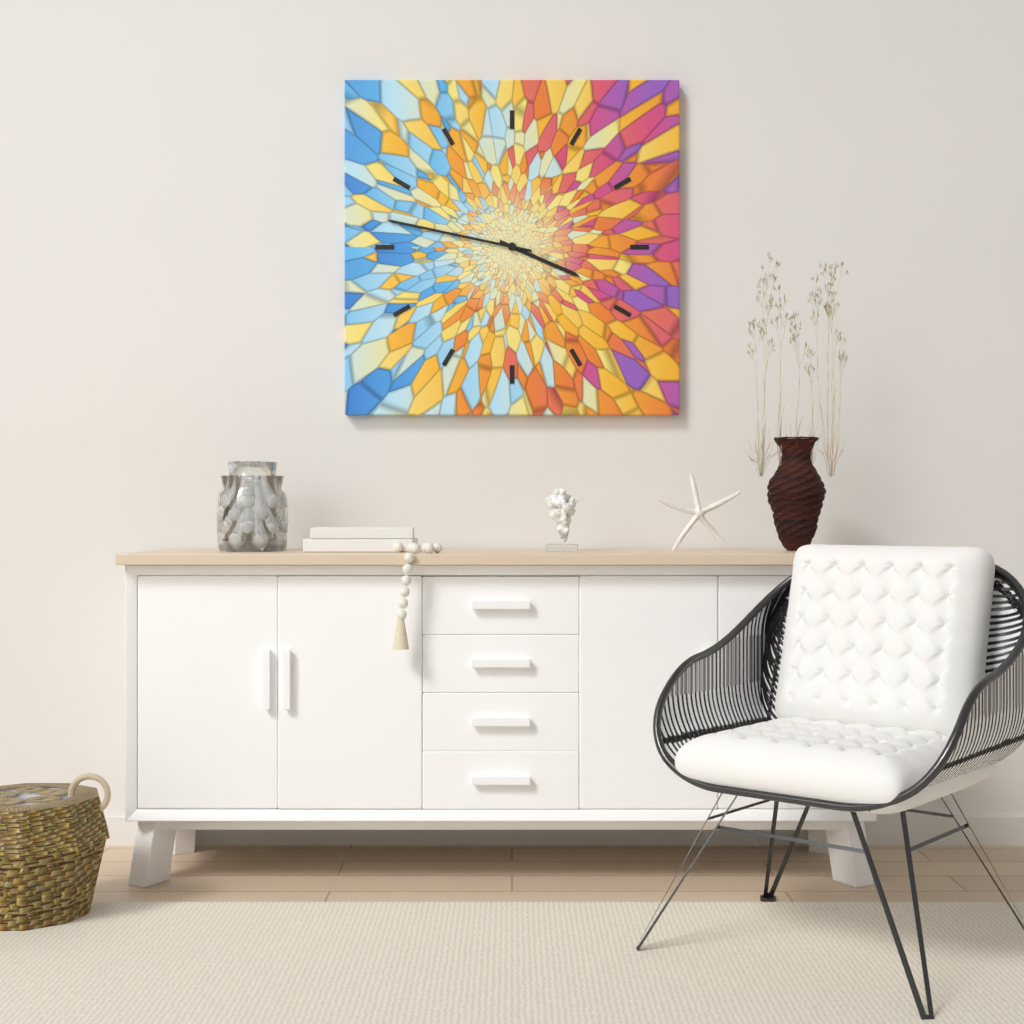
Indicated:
3,47
